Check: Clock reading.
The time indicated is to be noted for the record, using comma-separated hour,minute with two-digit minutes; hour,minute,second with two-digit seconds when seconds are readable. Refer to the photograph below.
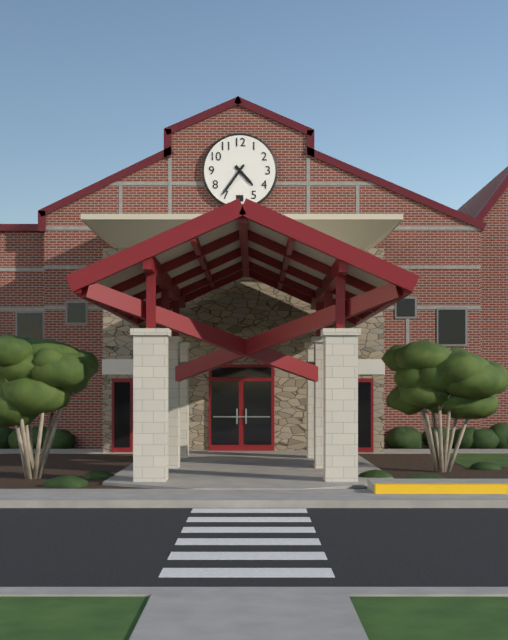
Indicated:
4,36
